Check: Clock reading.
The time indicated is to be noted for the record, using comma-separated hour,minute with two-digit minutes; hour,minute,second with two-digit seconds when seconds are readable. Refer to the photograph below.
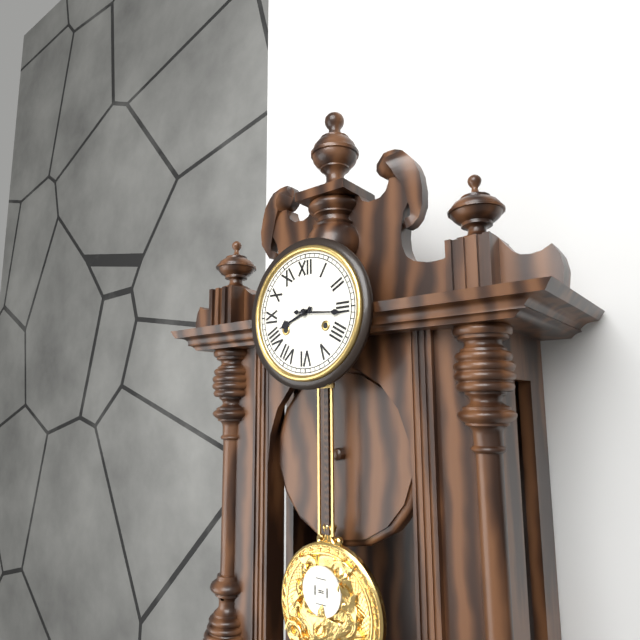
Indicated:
8,16
